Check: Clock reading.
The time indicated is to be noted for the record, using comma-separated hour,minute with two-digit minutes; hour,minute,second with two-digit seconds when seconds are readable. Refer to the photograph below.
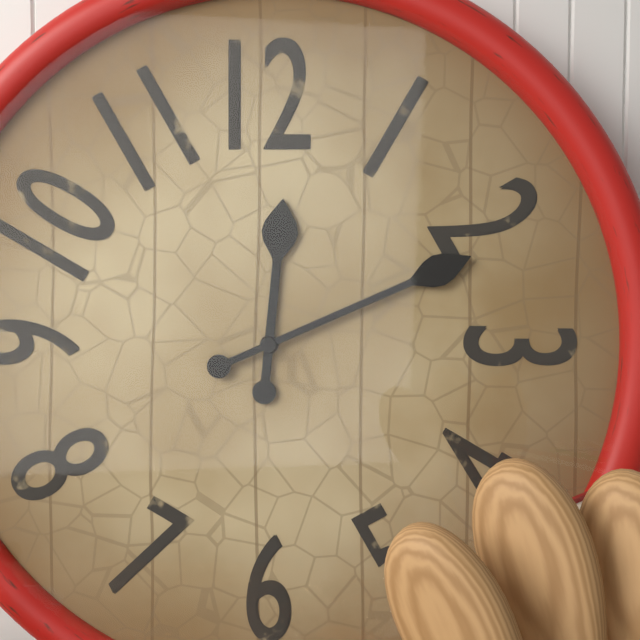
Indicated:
12,11
